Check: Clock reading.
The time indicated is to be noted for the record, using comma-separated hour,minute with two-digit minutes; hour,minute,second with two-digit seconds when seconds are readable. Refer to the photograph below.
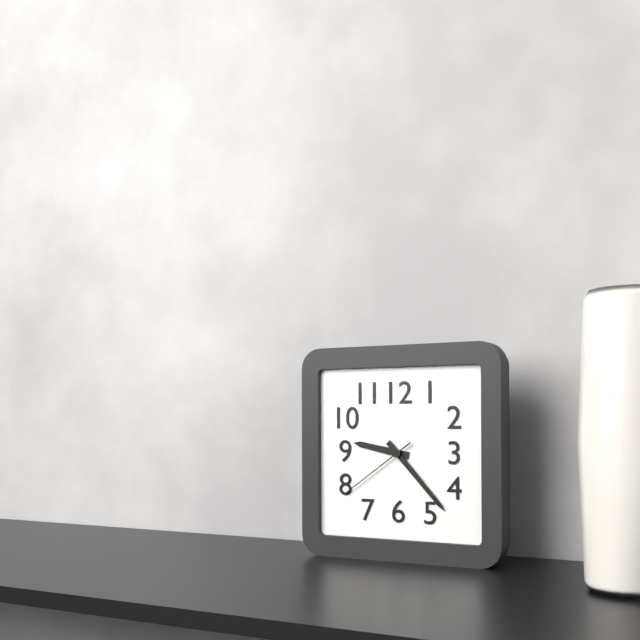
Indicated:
9,23,39
